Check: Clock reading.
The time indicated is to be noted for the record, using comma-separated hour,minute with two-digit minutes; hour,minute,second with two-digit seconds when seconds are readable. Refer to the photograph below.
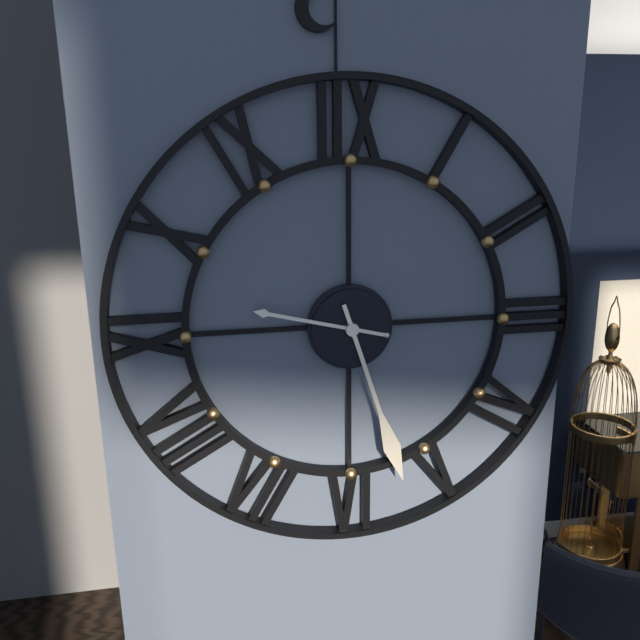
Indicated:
9,27
